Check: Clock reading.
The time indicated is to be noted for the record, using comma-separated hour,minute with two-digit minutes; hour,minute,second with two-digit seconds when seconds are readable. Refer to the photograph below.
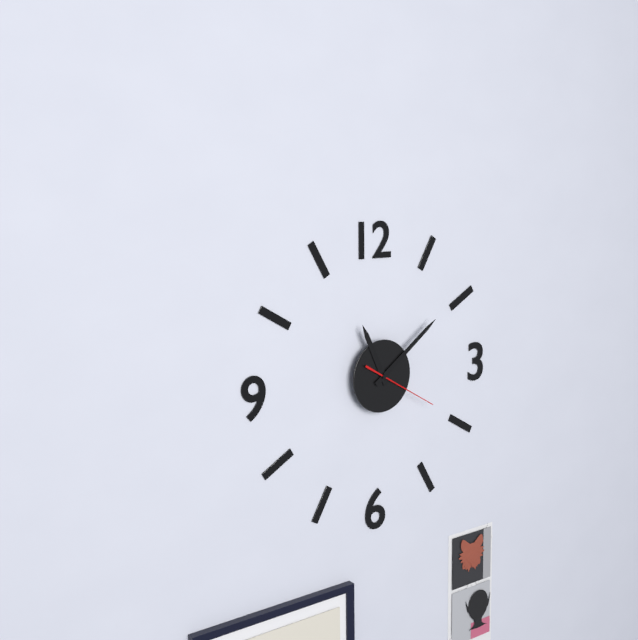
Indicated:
11,09,20
